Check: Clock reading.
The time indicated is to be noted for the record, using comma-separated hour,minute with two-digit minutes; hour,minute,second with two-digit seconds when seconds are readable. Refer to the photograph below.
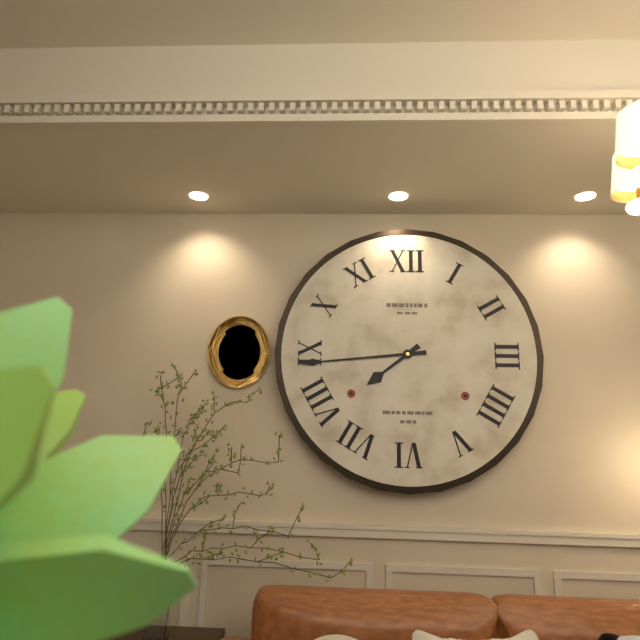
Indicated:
7,44
